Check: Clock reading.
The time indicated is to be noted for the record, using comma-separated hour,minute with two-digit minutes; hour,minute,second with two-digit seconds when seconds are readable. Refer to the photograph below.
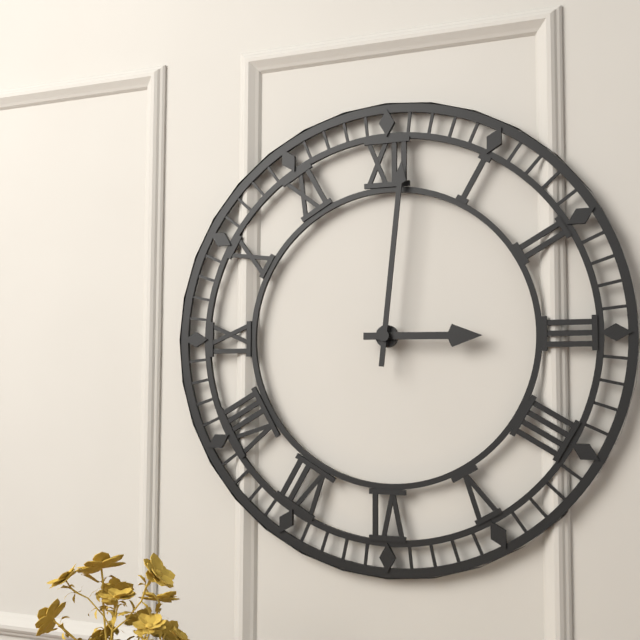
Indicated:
3,01
